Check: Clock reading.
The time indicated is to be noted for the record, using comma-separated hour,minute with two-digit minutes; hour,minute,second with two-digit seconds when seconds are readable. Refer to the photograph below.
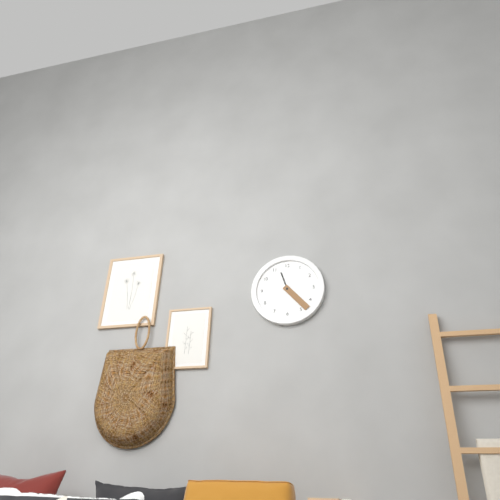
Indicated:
11,23
